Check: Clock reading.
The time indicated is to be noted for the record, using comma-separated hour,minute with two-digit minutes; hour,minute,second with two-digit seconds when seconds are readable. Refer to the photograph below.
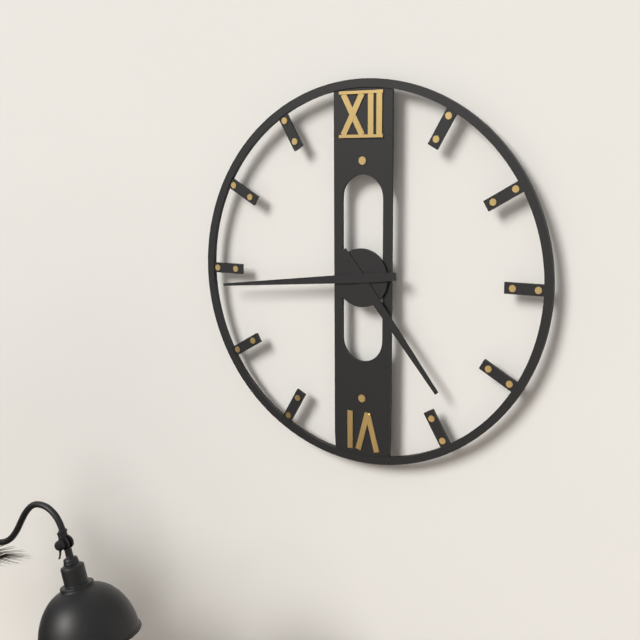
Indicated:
4,44
